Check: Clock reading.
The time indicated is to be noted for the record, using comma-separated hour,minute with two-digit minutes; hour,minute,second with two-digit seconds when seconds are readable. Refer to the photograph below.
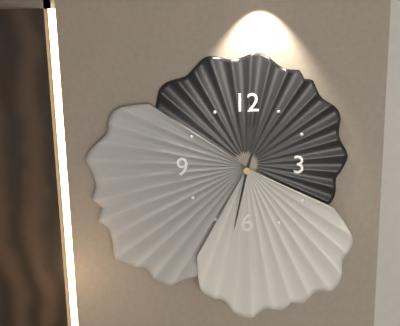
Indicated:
12,32
